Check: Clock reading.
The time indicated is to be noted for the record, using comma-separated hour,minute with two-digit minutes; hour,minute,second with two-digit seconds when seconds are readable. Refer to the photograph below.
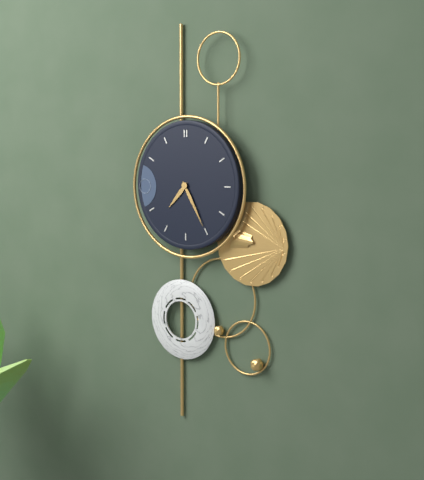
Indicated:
7,25
